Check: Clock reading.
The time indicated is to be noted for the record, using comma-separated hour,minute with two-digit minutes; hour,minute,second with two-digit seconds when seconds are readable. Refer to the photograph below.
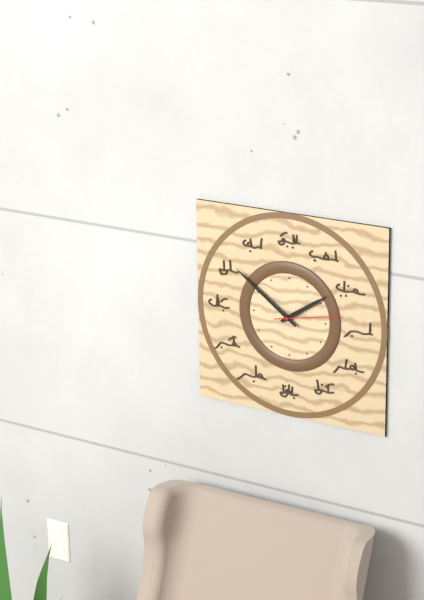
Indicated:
1,51,13
